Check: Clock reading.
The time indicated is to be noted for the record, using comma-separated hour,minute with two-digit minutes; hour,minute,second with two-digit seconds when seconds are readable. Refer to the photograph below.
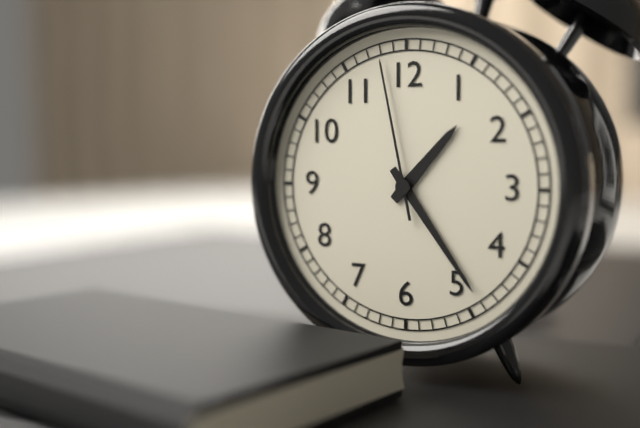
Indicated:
1,24,58
